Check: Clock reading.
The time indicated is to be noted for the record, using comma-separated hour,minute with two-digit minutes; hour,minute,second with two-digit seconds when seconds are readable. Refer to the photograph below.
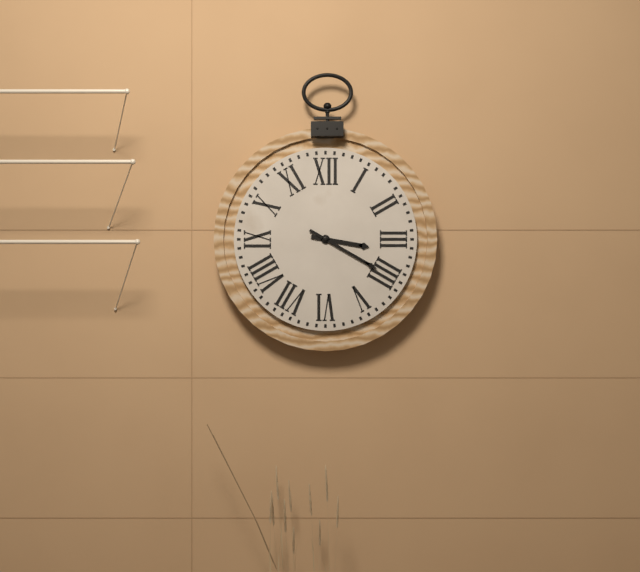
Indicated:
3,20
